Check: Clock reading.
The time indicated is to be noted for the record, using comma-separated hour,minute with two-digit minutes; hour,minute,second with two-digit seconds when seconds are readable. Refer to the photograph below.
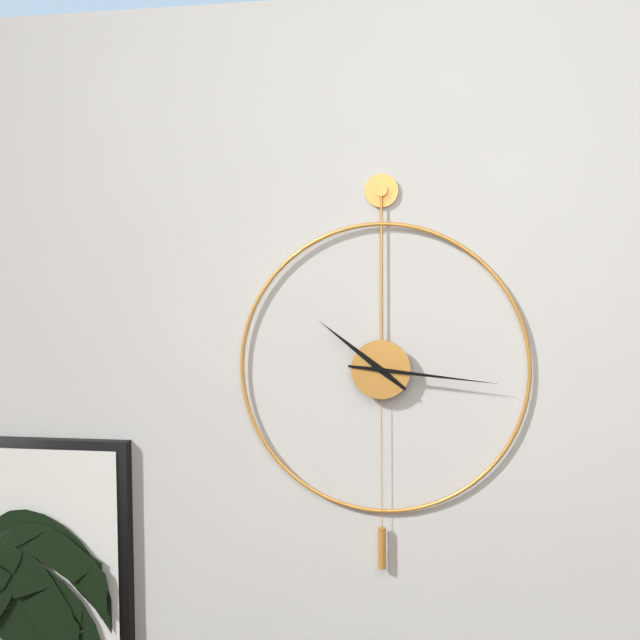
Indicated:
10,16
